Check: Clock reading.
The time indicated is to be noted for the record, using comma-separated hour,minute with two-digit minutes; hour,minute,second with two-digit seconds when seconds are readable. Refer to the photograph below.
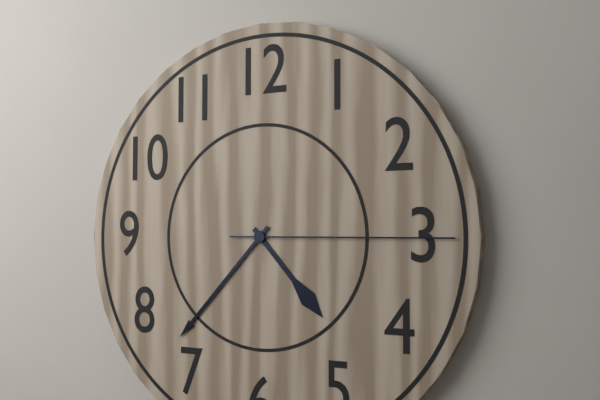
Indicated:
4,37,15
